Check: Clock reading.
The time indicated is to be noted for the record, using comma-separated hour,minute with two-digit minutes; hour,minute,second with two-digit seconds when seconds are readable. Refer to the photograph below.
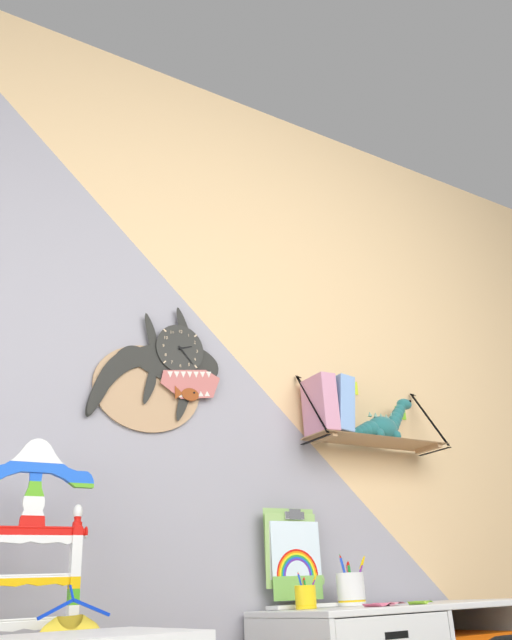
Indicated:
2,23
